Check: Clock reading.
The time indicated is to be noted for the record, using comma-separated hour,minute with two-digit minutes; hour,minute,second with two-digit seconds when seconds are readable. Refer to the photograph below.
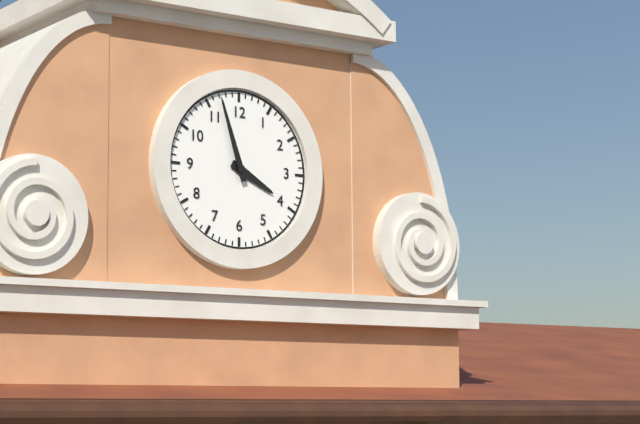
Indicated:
3,57
